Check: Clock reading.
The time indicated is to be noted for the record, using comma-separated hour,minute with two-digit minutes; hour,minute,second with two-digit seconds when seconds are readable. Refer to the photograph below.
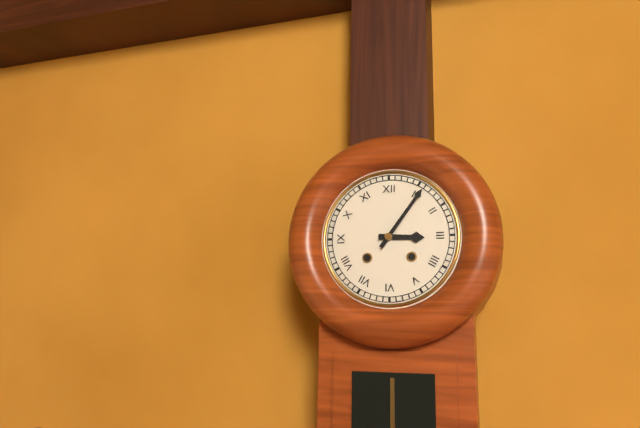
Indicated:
3,06
